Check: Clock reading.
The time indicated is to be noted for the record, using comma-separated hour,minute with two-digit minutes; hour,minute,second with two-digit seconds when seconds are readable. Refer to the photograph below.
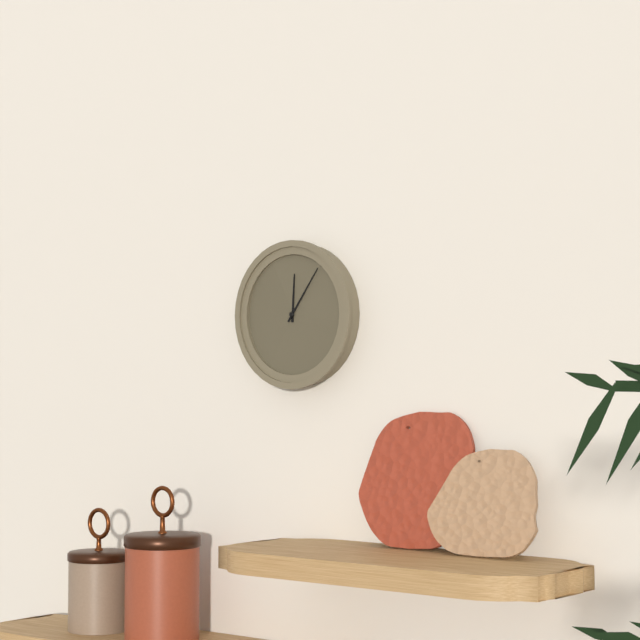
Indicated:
12,06
